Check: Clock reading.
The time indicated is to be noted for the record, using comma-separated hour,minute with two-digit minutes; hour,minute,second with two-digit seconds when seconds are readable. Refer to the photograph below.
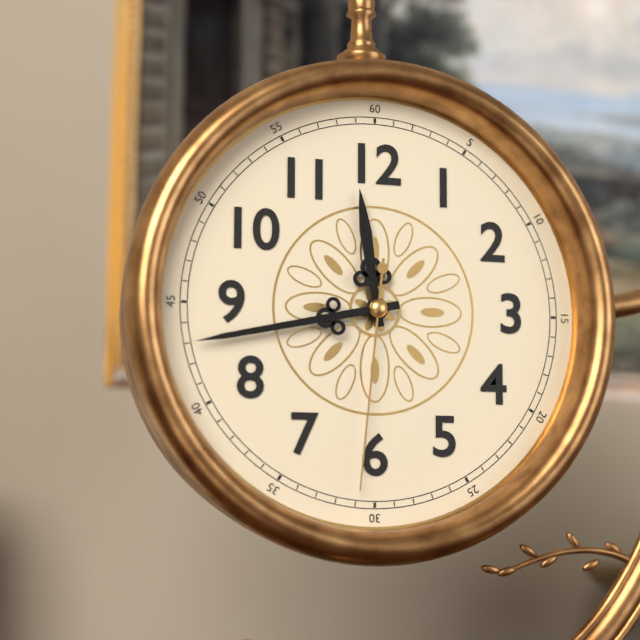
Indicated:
11,43,31
